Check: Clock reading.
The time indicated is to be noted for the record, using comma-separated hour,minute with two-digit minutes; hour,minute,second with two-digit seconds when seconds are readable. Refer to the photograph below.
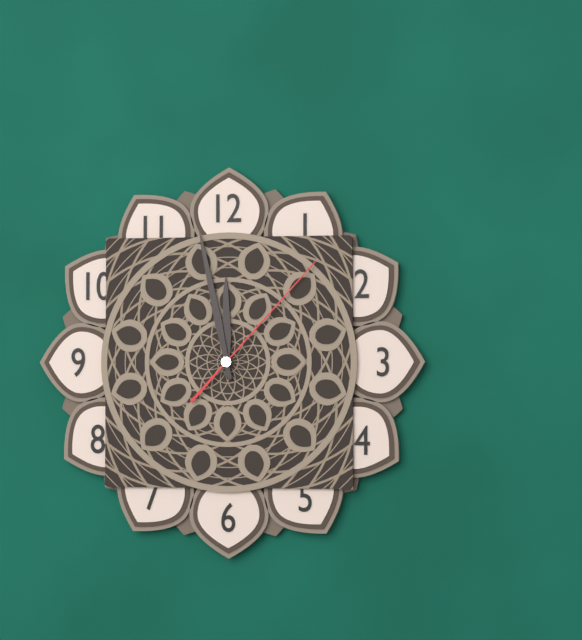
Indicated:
11,58,07
